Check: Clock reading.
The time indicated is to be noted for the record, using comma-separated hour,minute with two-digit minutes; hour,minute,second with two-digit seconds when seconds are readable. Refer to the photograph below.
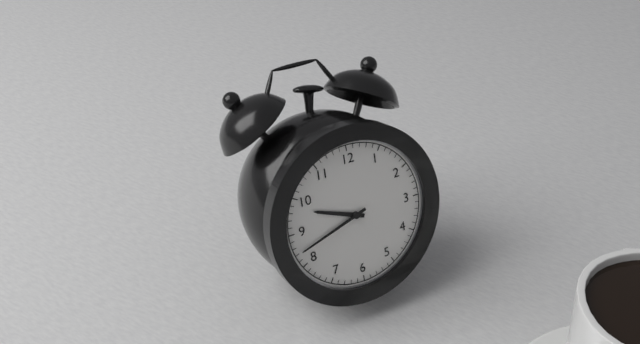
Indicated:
9,42
